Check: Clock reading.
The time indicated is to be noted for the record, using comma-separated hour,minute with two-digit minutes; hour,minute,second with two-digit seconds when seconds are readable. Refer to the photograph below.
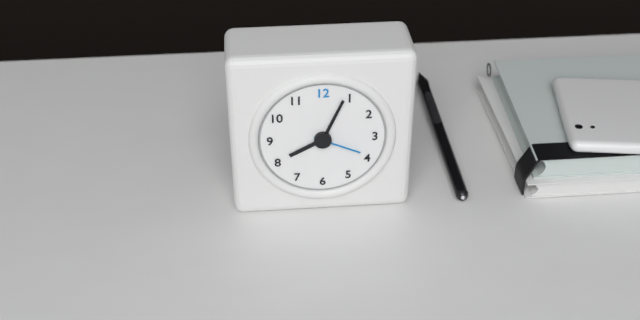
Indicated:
8,04
